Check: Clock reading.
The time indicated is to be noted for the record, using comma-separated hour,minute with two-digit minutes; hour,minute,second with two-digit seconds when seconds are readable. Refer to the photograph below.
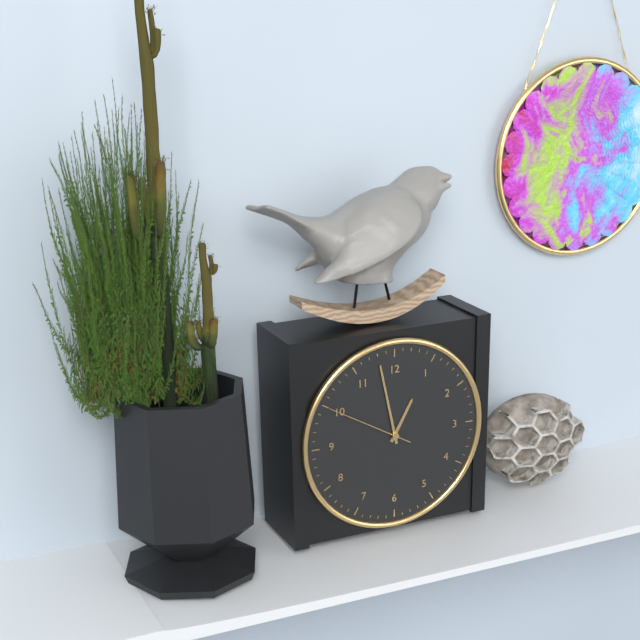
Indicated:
12,58,50
